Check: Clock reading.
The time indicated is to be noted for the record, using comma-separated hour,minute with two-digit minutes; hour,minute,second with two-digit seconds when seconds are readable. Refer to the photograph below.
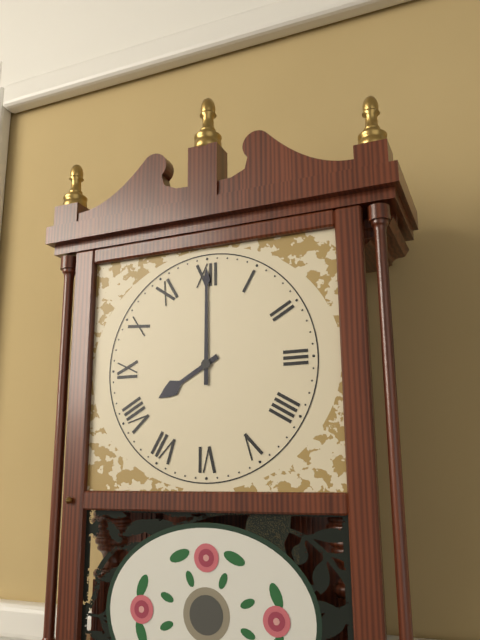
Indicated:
8,00
